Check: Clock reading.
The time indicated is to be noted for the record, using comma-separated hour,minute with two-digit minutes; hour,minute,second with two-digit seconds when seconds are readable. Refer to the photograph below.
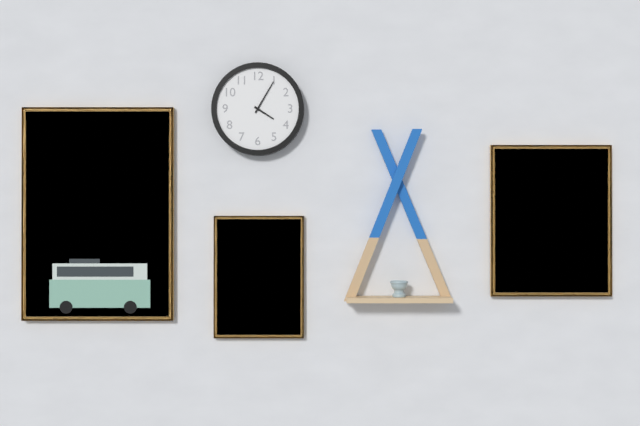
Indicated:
4,05
